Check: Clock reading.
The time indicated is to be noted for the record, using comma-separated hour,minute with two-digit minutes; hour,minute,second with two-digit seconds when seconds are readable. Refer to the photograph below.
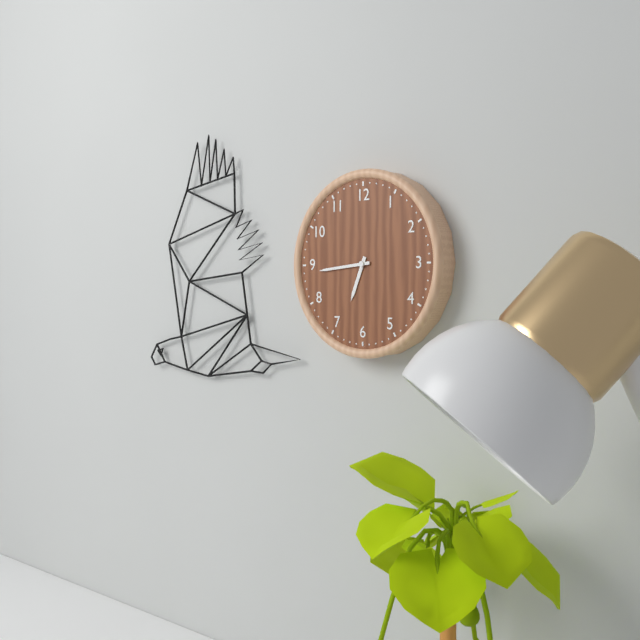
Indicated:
6,44
